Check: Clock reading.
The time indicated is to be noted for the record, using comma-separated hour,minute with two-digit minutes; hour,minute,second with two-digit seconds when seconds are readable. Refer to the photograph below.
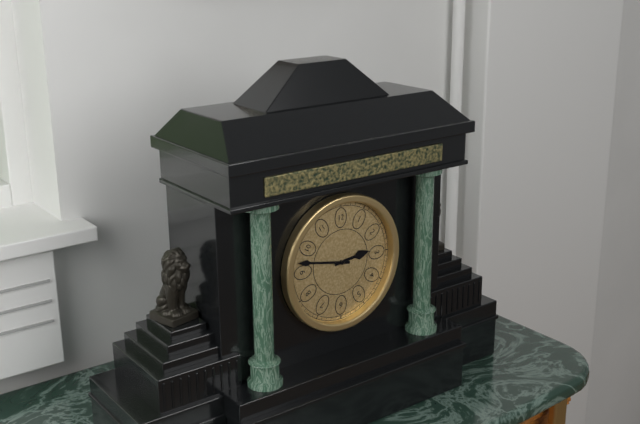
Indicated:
2,47
